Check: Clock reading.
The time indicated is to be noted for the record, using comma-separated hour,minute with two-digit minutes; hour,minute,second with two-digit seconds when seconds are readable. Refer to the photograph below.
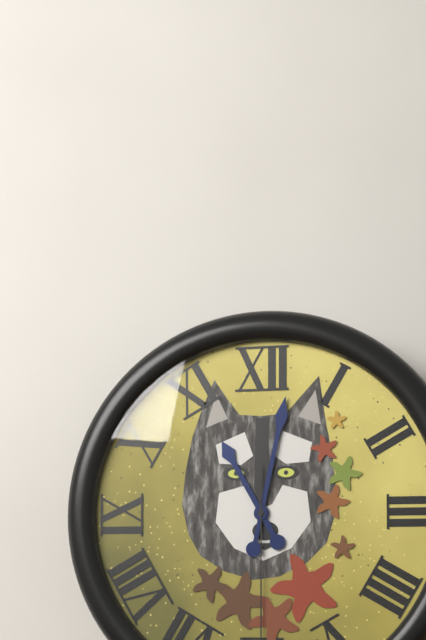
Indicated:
11,02
